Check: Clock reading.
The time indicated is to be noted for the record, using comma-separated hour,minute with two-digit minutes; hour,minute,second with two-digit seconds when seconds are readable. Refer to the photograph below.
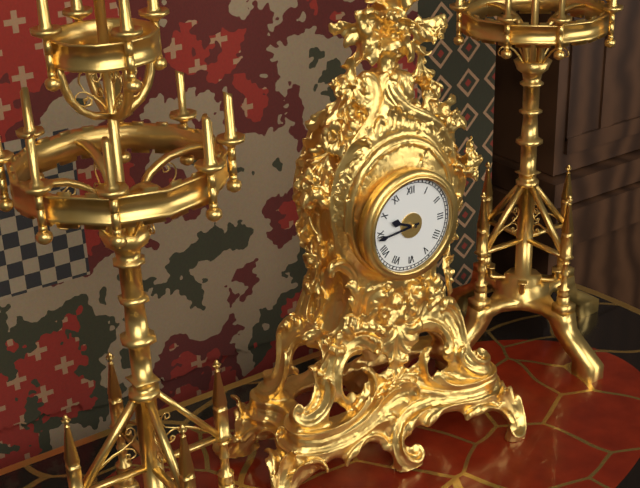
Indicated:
9,44
